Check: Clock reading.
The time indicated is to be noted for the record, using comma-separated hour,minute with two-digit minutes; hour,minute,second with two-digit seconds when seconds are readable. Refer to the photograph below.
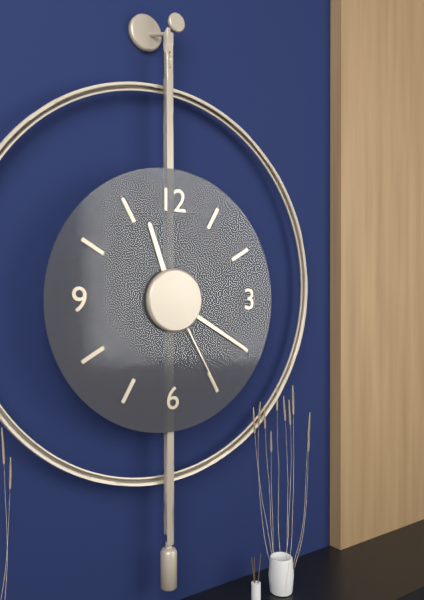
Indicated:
11,20,25
